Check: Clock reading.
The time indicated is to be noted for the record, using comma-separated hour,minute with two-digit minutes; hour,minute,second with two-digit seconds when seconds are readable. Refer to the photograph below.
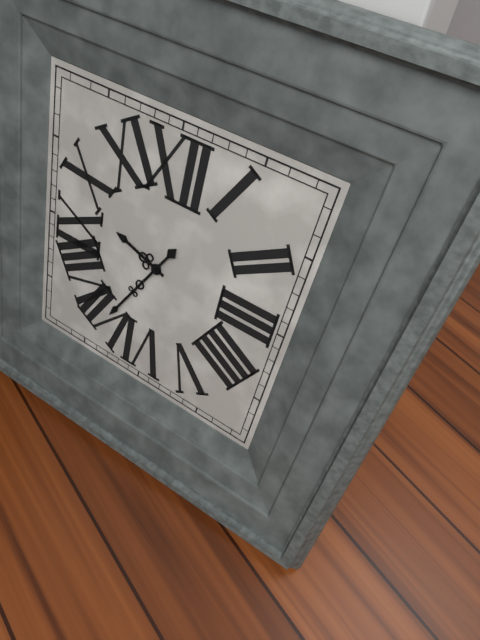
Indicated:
9,35
